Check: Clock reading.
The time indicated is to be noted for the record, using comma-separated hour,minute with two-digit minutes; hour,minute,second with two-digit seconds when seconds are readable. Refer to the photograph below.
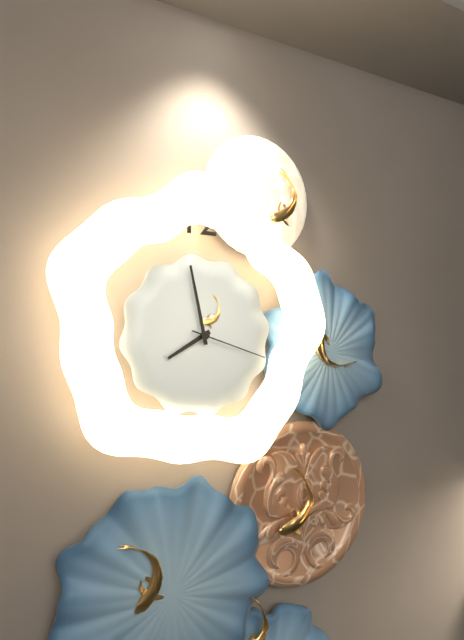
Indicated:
7,58,18
